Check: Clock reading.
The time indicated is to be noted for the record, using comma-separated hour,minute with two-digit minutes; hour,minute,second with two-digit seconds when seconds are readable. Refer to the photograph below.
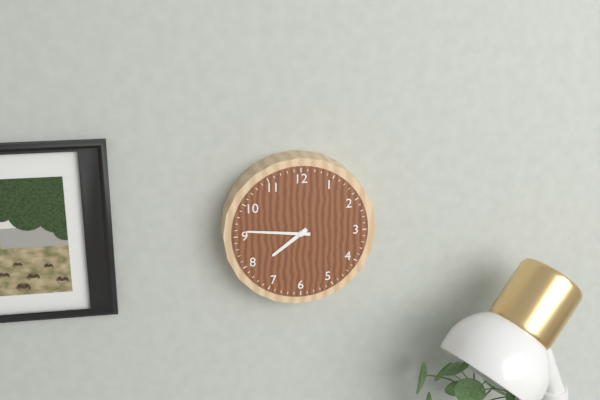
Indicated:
7,46
